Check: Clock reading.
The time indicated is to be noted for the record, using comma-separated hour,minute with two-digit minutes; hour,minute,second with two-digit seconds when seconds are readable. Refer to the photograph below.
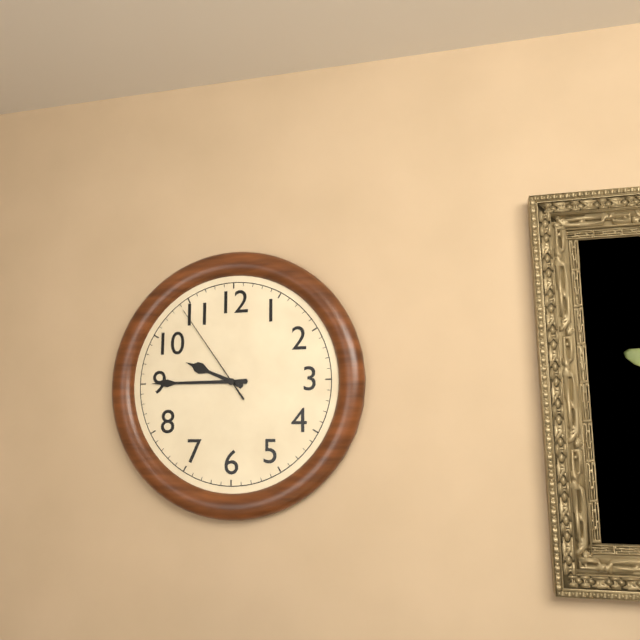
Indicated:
9,45,54
